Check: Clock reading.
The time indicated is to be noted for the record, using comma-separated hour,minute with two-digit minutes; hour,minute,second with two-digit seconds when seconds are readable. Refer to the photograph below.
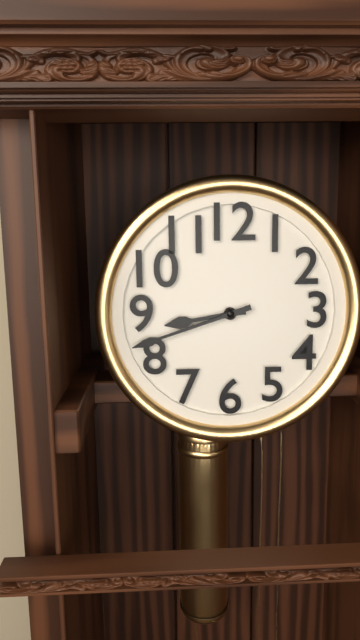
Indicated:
8,42
